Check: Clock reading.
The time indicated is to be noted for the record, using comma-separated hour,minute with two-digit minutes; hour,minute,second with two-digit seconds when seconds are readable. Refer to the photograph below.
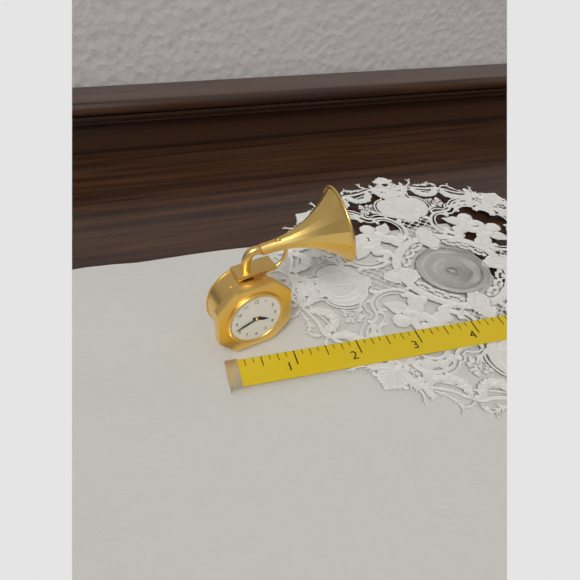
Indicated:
3,42
